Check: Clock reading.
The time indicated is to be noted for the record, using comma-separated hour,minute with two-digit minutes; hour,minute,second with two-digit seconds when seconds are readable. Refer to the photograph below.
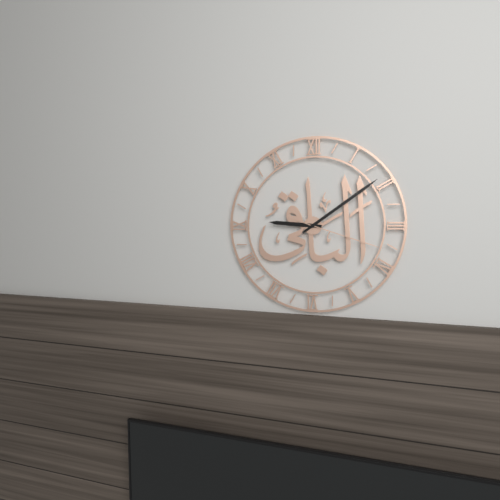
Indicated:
9,09,18
